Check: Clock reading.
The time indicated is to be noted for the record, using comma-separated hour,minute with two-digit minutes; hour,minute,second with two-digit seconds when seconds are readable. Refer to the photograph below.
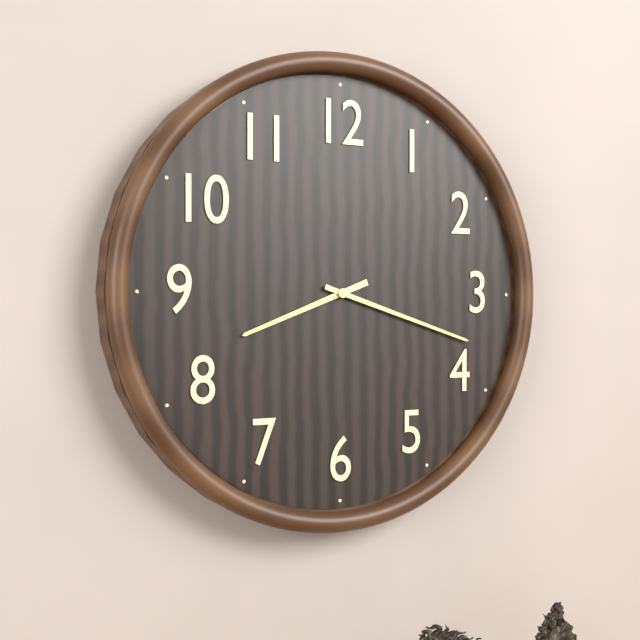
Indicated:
8,18
